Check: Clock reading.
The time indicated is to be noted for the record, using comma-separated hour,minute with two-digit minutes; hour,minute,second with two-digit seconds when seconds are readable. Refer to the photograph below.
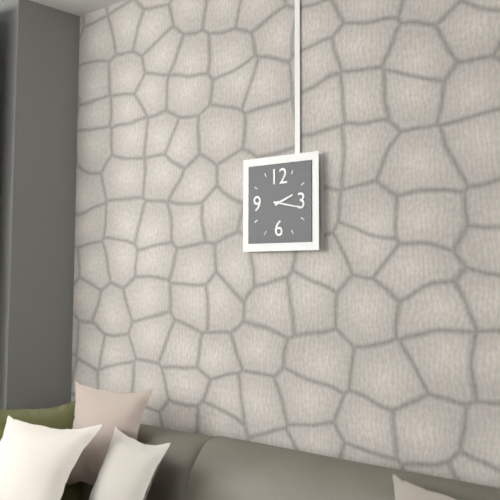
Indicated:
2,17
